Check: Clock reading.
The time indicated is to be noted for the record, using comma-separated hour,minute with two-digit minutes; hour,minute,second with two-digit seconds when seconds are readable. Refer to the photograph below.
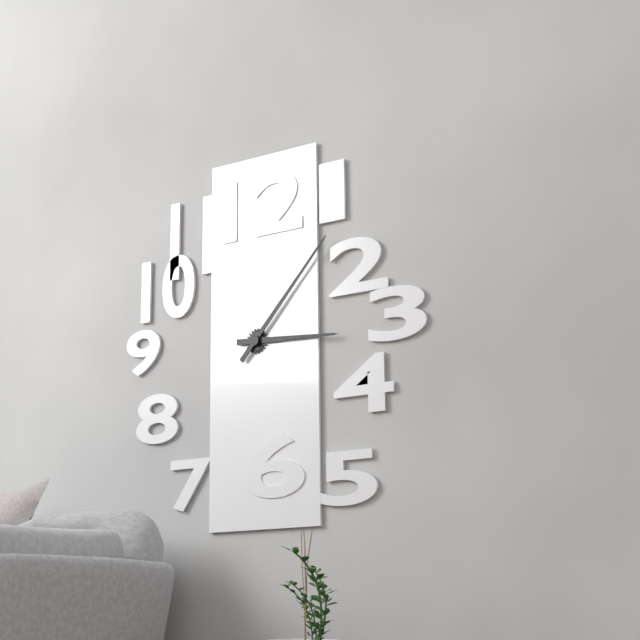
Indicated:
3,07
